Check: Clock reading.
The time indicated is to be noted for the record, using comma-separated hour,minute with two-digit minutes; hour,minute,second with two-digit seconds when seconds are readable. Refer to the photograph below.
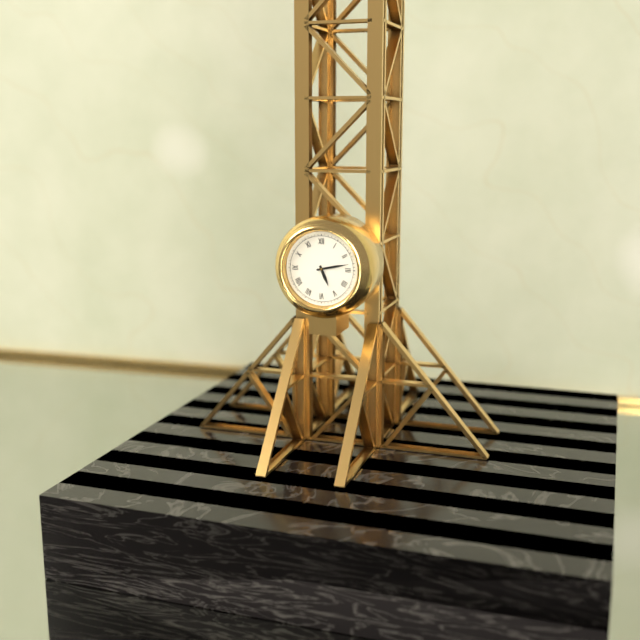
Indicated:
5,13
